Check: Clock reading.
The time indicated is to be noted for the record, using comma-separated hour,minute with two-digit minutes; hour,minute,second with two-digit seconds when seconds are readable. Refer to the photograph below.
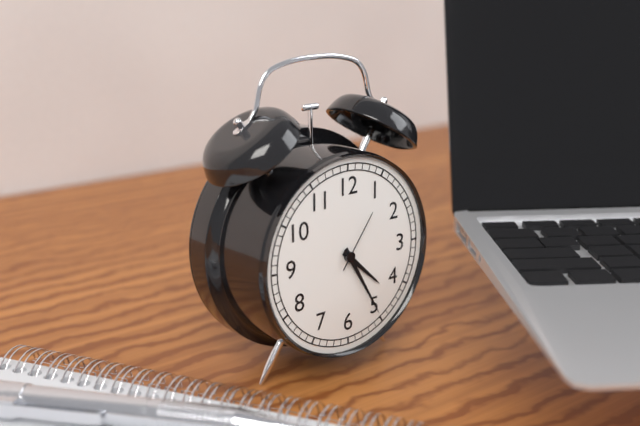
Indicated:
4,25,06
